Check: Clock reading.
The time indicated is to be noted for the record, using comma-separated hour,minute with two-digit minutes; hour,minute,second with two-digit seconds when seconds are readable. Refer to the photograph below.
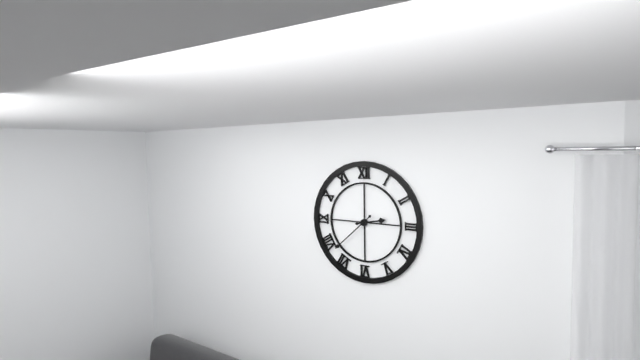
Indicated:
2,38
